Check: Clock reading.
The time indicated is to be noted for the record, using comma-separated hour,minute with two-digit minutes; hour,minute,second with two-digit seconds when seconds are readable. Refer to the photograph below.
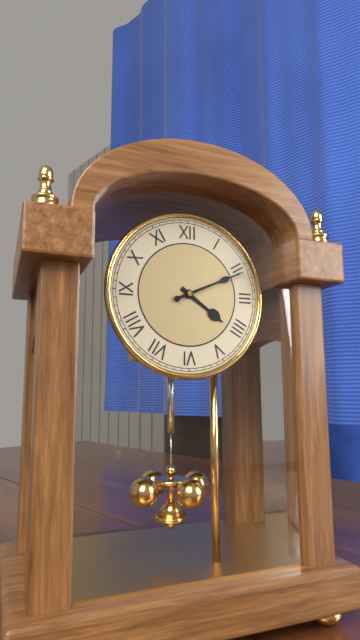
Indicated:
4,11
